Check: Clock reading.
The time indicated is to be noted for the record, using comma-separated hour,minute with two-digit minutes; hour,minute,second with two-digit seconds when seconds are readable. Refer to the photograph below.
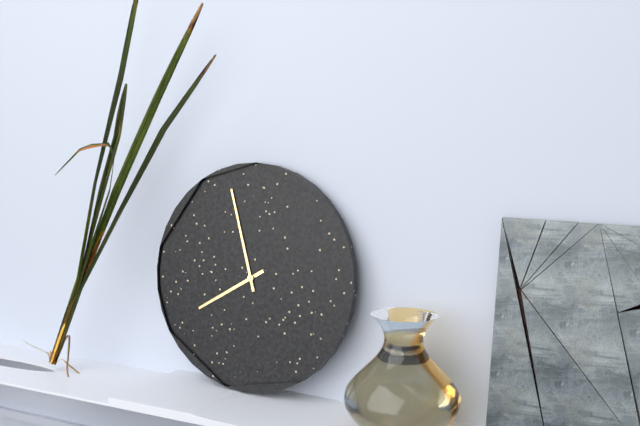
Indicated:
7,57
